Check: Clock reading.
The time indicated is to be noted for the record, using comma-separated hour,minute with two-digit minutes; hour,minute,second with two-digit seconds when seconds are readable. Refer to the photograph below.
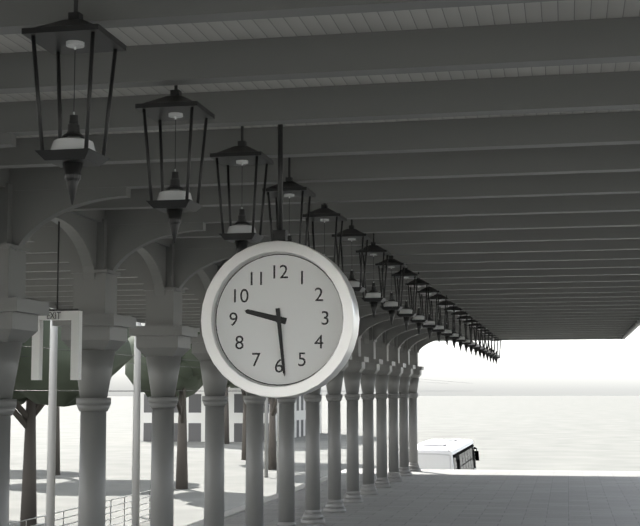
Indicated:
9,29
